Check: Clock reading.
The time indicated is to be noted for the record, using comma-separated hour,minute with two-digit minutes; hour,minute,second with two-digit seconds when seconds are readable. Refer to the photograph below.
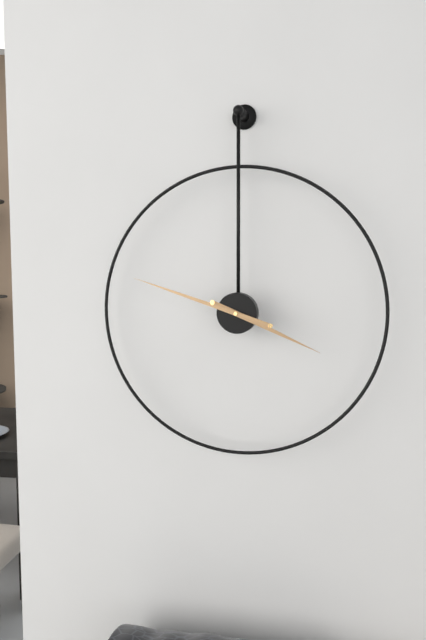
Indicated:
3,48
